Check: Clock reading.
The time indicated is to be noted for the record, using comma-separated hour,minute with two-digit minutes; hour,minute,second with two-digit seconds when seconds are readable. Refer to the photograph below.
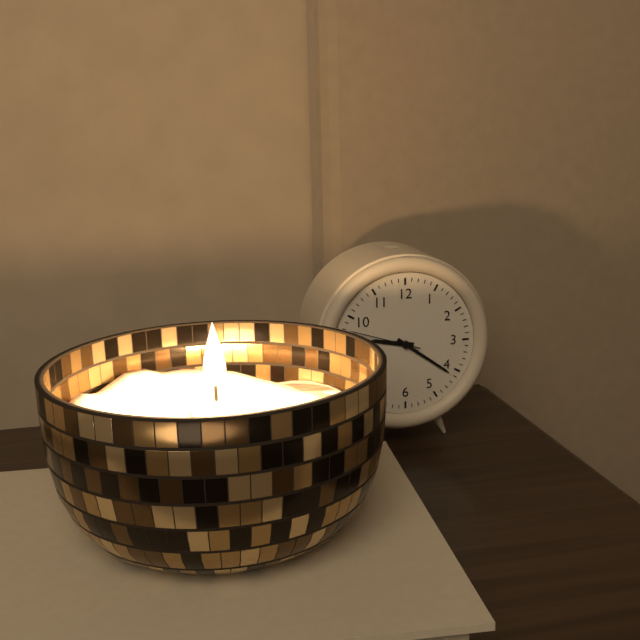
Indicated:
9,21,48
